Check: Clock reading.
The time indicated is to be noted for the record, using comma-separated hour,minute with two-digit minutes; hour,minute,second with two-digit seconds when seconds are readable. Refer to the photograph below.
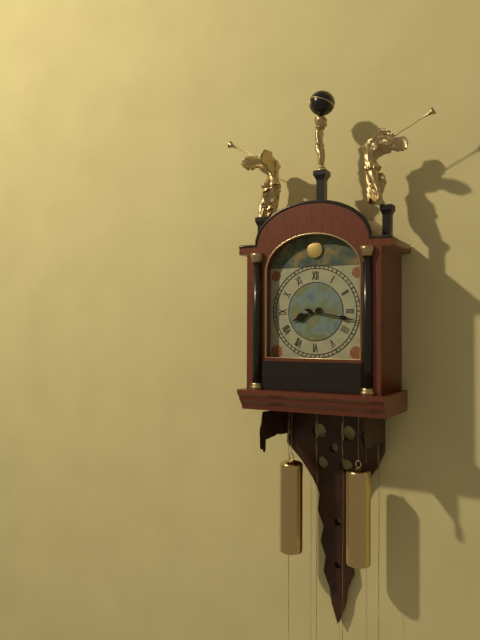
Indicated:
8,17
